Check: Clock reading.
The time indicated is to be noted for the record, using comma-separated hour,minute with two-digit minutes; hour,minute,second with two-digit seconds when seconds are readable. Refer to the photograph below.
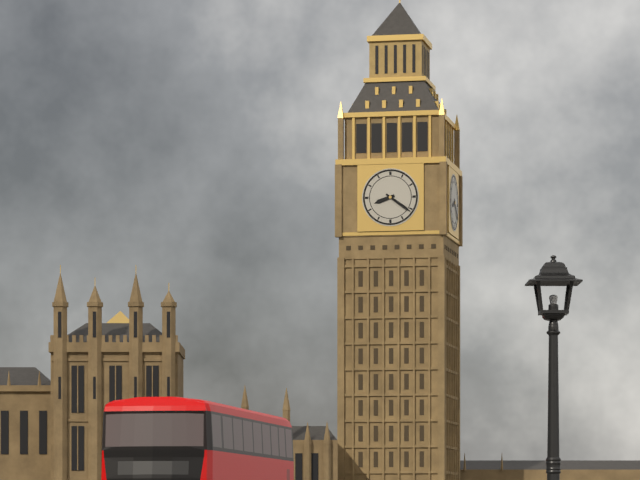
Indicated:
8,21
